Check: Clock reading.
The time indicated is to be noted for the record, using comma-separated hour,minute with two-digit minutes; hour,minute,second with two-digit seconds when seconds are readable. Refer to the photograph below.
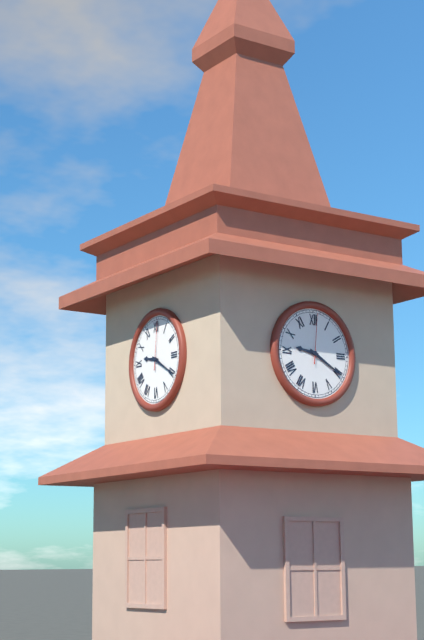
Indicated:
9,20,01
